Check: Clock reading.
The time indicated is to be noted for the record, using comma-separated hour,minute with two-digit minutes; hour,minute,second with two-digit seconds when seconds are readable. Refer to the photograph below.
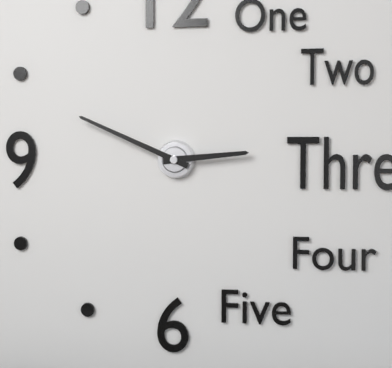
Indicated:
2,49
